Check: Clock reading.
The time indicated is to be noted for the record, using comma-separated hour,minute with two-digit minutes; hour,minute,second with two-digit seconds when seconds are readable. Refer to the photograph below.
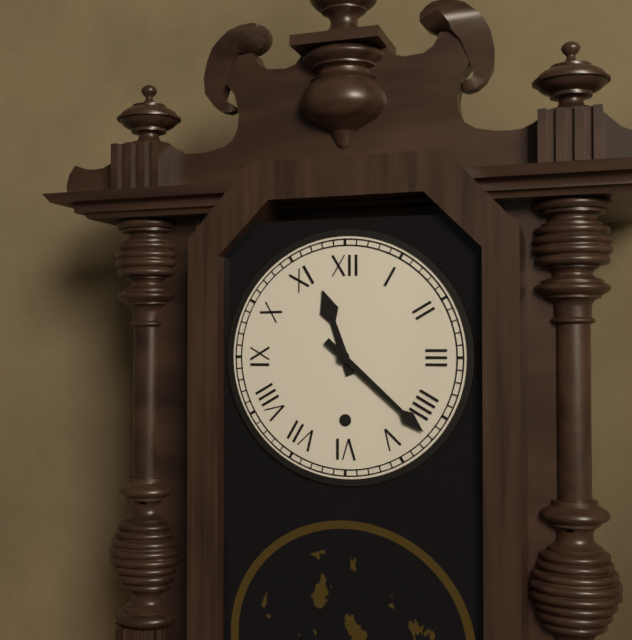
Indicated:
11,22
